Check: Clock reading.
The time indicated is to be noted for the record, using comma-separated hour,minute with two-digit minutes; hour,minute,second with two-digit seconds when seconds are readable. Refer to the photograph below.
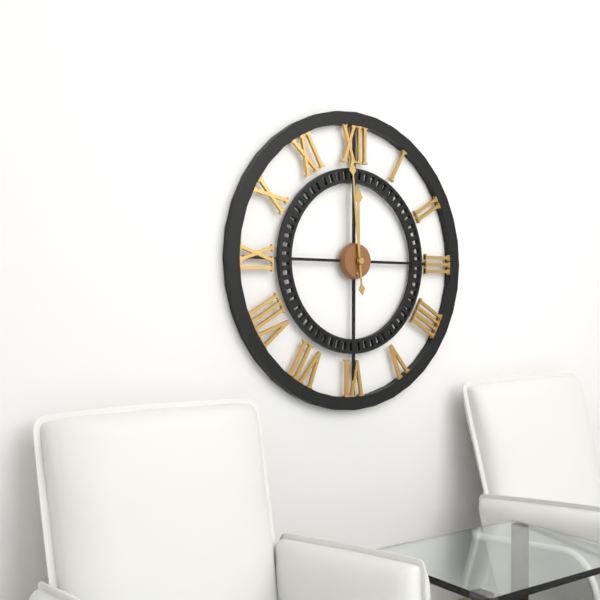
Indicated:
11,59
